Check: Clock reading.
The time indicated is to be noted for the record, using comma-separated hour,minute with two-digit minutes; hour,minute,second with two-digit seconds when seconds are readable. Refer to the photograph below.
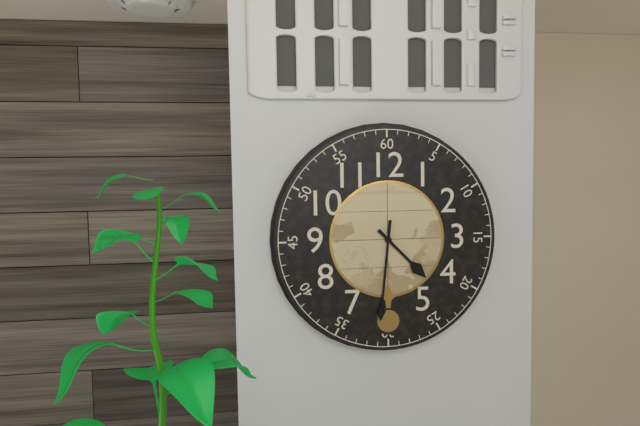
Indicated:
4,31
